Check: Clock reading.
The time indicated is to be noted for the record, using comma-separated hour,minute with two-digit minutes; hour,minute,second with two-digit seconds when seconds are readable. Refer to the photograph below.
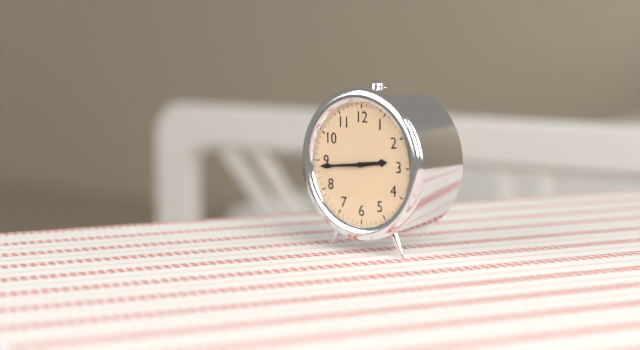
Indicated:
2,44
